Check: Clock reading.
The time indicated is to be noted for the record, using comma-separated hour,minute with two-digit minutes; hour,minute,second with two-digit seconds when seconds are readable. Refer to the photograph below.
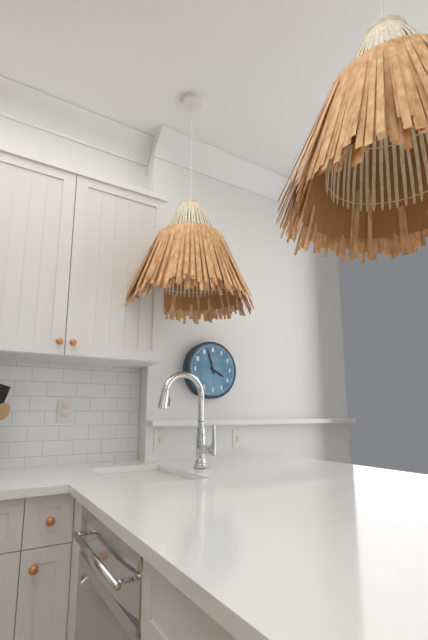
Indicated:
3,57
